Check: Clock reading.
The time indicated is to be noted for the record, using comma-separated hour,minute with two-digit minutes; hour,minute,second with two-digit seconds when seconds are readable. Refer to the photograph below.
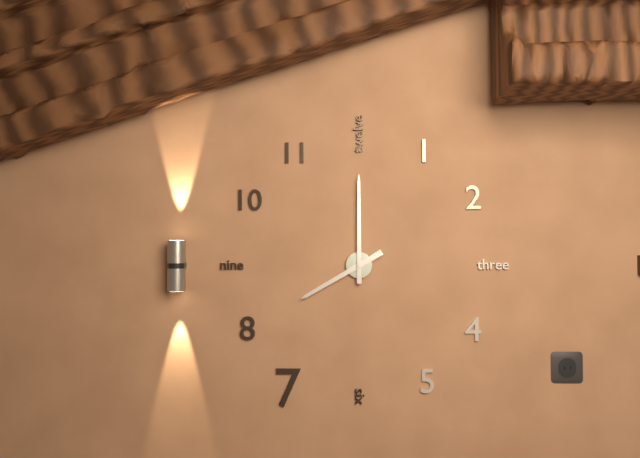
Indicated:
8,00
